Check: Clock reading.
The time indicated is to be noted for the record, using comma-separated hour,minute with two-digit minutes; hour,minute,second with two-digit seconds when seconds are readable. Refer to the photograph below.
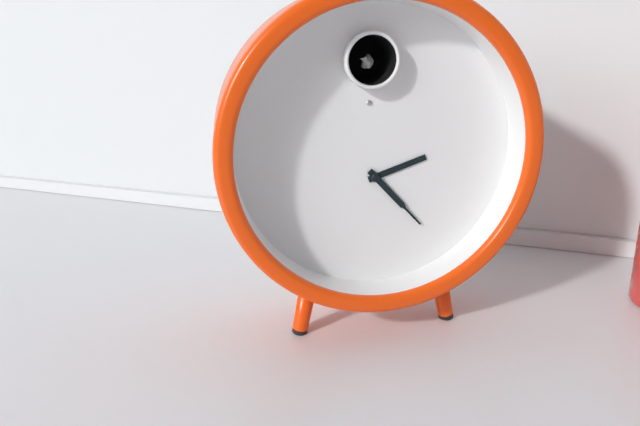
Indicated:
2,23
